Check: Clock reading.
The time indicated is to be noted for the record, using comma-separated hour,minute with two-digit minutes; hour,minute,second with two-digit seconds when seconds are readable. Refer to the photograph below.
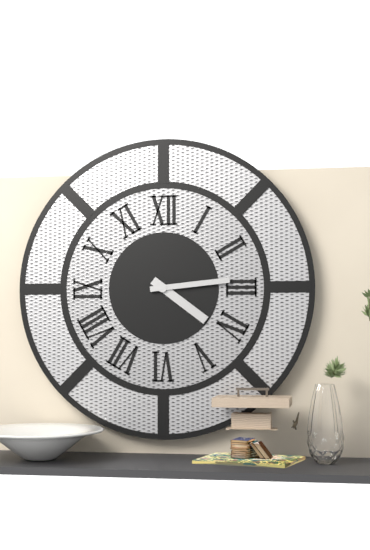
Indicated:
4,14
